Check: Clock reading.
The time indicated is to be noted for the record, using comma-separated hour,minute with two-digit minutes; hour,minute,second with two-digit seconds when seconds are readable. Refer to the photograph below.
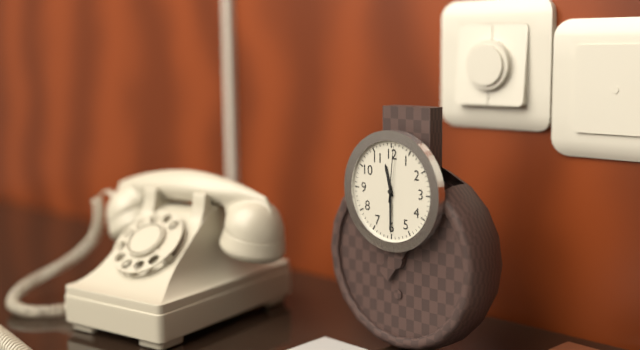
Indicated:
11,30,01
